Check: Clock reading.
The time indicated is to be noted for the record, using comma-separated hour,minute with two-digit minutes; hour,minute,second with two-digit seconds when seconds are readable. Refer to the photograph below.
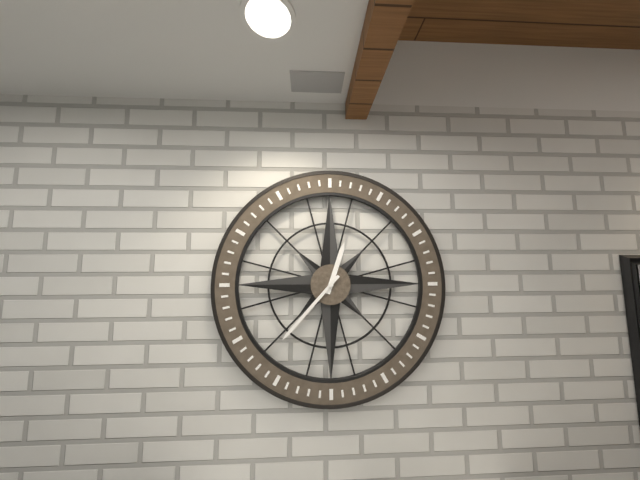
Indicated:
12,37
